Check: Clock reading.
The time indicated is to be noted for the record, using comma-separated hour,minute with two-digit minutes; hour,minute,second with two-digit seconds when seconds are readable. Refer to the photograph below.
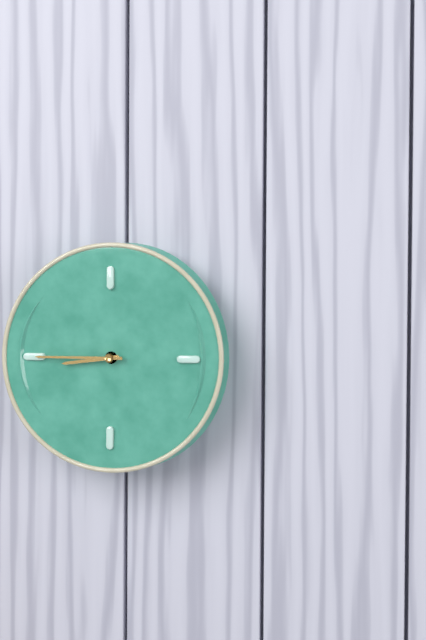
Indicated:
8,45
